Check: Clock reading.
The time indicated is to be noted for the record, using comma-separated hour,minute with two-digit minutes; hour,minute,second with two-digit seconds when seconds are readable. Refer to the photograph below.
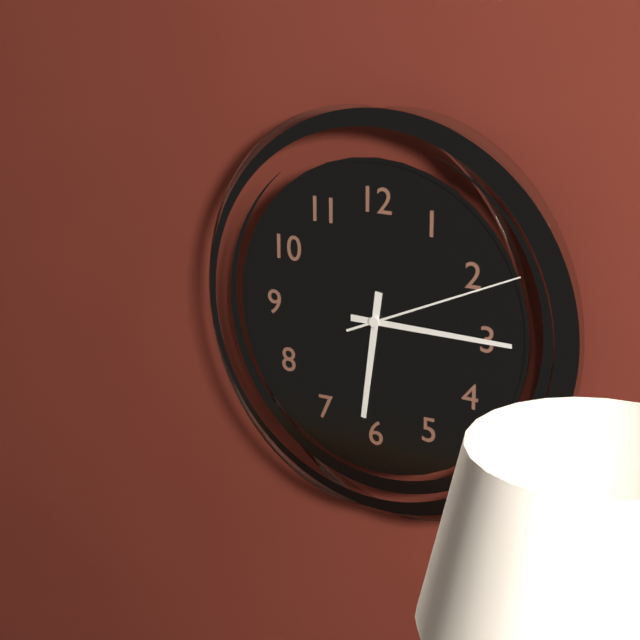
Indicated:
6,15,11
